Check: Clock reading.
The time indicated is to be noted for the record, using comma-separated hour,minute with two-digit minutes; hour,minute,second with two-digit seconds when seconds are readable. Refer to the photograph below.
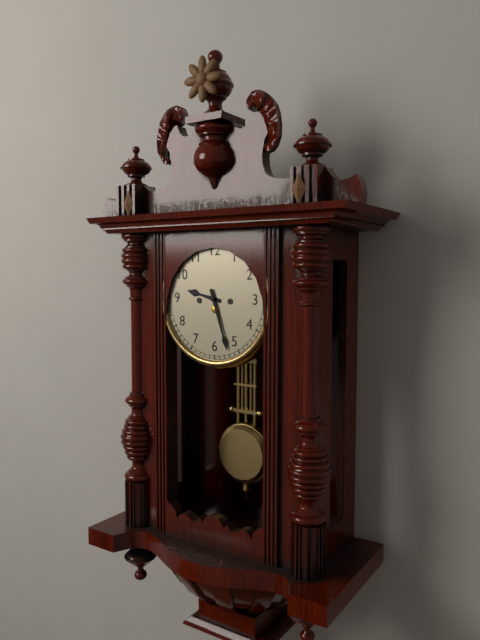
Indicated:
9,27
